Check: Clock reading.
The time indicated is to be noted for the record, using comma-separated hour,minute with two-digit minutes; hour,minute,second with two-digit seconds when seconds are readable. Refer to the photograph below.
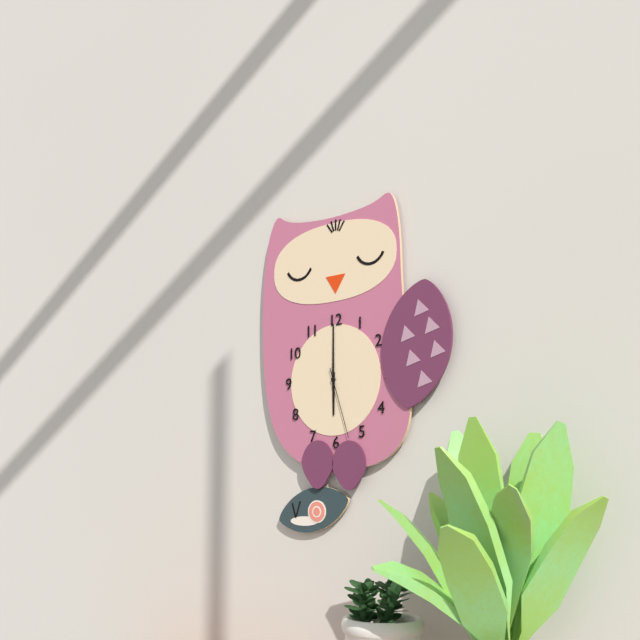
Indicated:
6,00,27
